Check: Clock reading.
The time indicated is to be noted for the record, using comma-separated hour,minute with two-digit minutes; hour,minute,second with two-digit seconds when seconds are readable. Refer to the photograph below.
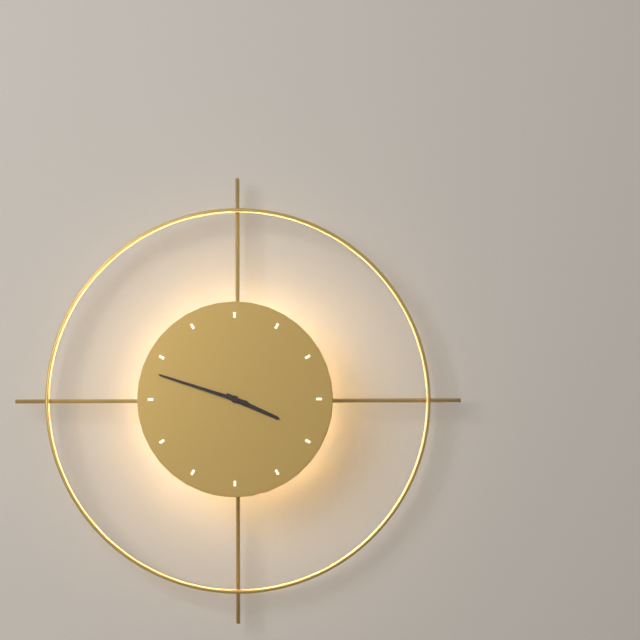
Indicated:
3,48
